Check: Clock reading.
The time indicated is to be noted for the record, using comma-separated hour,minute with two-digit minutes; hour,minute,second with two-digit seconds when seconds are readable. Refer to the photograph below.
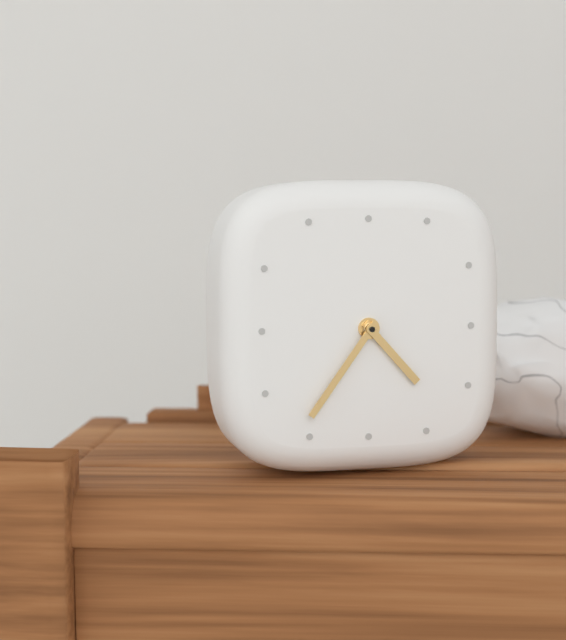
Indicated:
4,36
